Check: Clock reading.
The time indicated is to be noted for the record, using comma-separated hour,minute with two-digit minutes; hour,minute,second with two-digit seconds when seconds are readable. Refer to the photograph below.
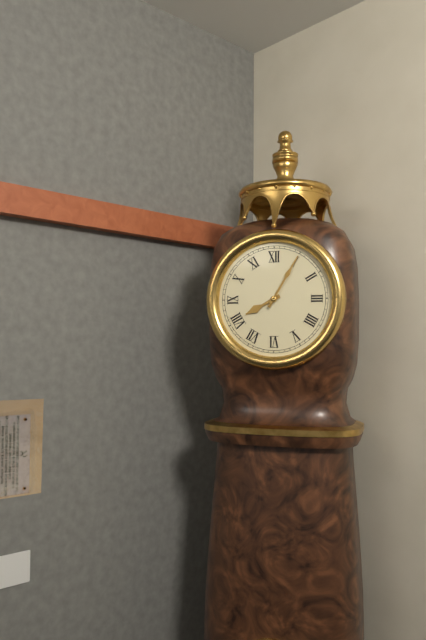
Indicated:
8,05
